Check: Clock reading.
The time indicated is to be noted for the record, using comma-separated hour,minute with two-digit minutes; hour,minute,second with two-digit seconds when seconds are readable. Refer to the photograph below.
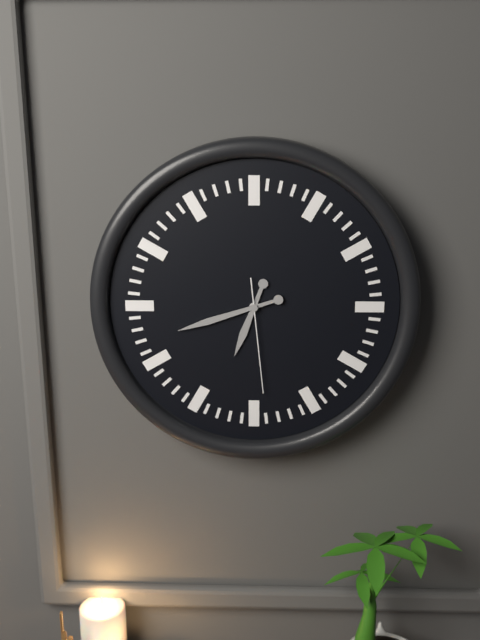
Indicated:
6,42,29
